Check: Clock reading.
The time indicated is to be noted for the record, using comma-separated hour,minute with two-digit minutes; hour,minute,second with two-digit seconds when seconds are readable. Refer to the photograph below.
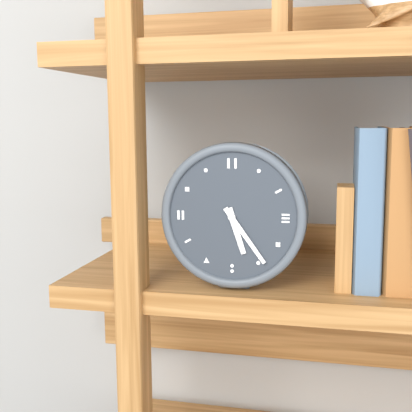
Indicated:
5,24
